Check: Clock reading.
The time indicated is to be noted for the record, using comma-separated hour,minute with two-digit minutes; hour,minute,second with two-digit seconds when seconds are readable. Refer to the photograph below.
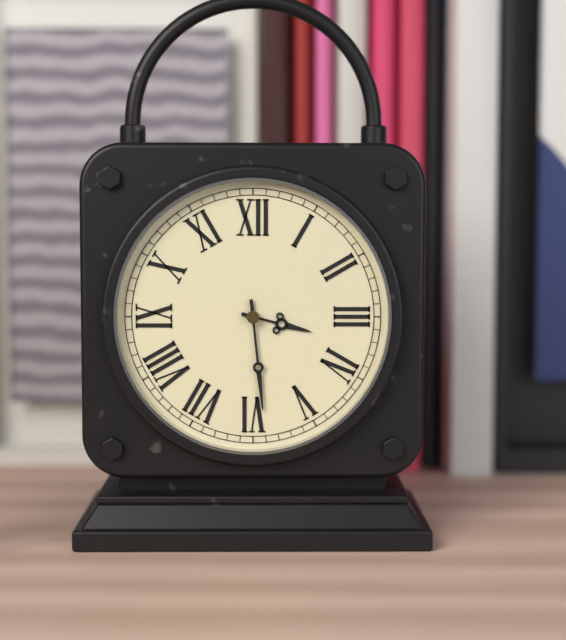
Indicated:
3,29
